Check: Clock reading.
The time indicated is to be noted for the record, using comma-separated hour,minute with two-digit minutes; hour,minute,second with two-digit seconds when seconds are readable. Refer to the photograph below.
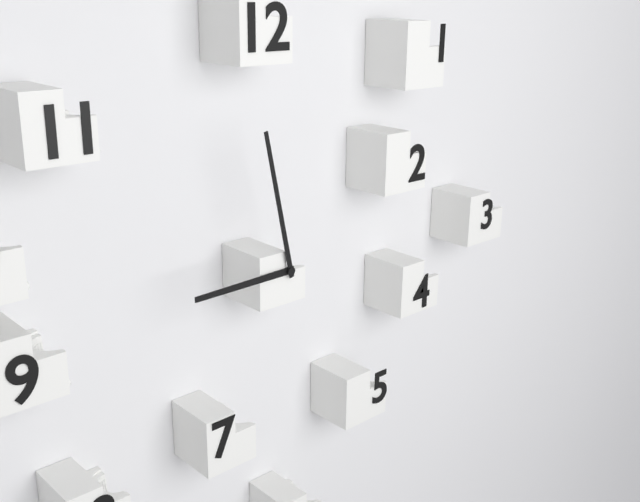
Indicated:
8,58
